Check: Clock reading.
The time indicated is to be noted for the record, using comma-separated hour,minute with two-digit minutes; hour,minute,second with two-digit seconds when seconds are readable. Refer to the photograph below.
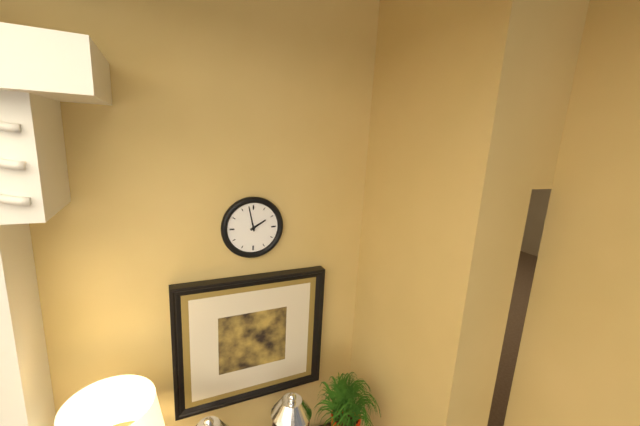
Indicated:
1,58
